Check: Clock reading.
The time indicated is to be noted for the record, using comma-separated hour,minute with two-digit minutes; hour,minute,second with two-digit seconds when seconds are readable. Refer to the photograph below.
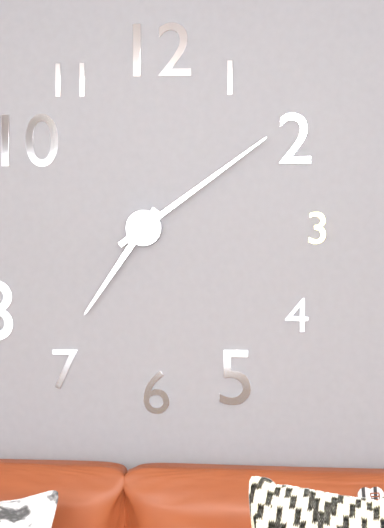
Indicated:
7,09
